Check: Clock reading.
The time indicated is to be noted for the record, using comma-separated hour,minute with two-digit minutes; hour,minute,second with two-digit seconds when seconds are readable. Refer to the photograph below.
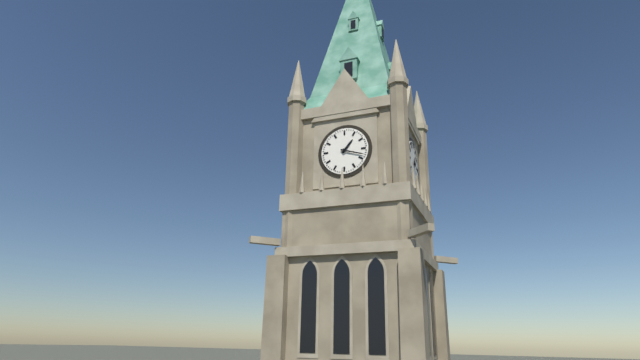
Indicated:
1,18
